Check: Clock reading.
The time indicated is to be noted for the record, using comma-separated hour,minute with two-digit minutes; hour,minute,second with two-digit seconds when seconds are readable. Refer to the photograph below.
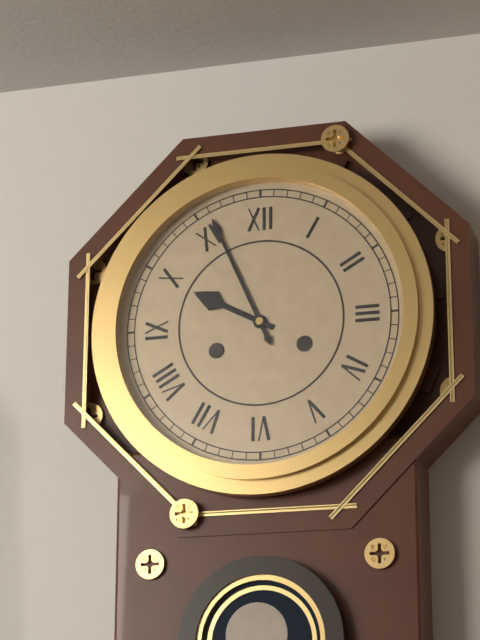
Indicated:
9,56
